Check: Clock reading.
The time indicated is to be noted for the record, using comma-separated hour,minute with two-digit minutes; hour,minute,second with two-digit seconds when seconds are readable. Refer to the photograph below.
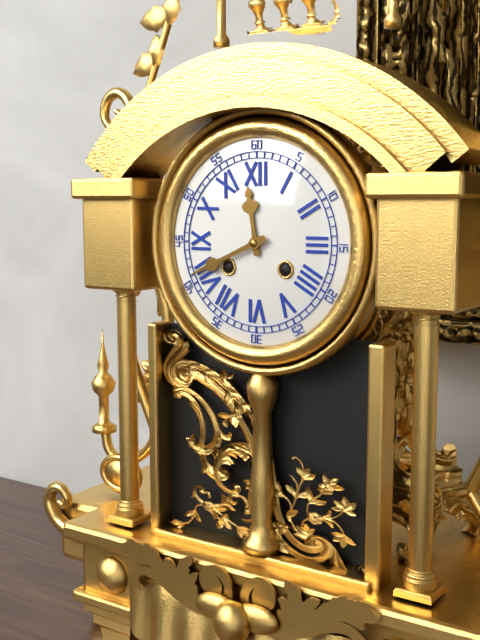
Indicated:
11,41
